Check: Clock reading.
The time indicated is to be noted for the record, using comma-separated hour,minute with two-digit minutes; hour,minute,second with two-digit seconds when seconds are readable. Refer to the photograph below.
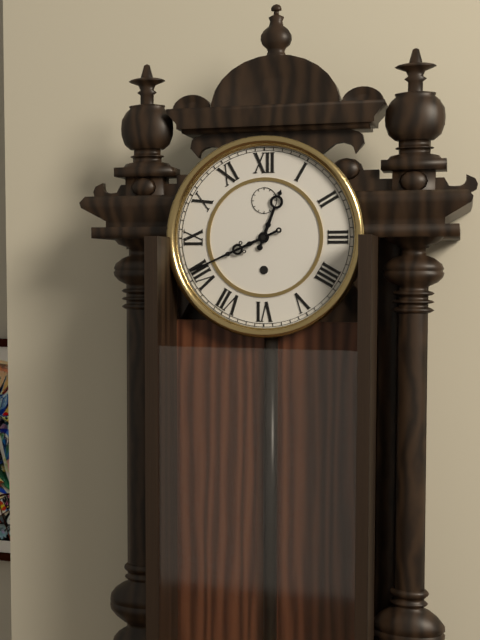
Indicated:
12,41
